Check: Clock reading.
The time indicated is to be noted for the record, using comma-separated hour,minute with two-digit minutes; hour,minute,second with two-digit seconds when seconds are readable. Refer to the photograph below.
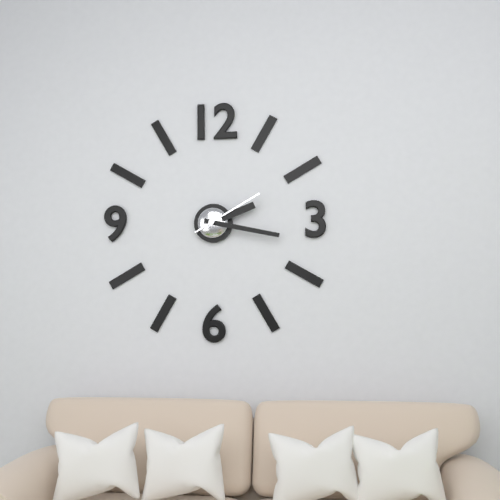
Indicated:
2,17,10
